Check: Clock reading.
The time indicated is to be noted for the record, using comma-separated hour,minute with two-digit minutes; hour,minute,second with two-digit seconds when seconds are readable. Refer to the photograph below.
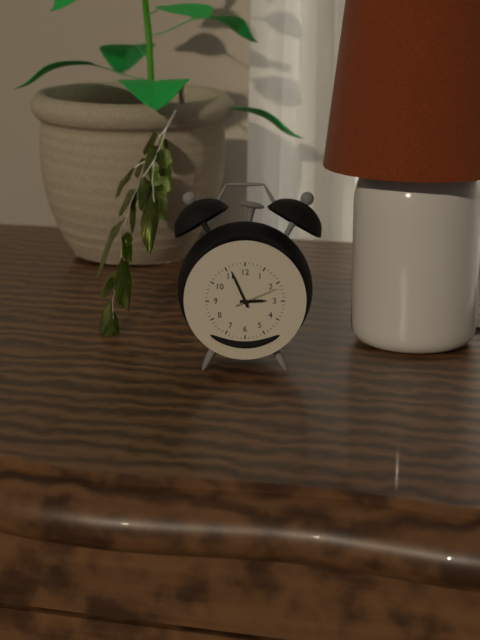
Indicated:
2,56
